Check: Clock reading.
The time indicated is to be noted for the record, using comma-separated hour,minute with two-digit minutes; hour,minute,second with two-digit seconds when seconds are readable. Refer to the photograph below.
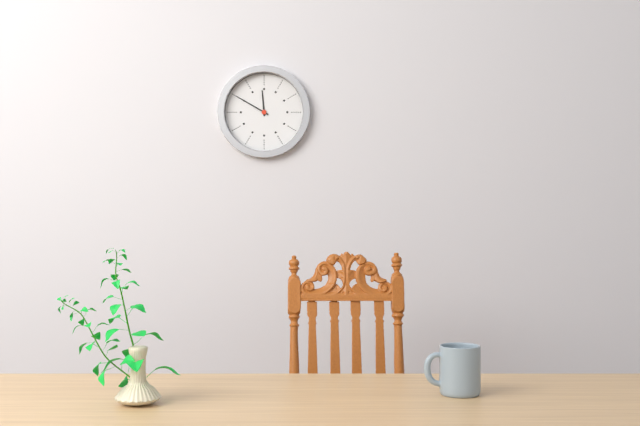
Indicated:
11,50
